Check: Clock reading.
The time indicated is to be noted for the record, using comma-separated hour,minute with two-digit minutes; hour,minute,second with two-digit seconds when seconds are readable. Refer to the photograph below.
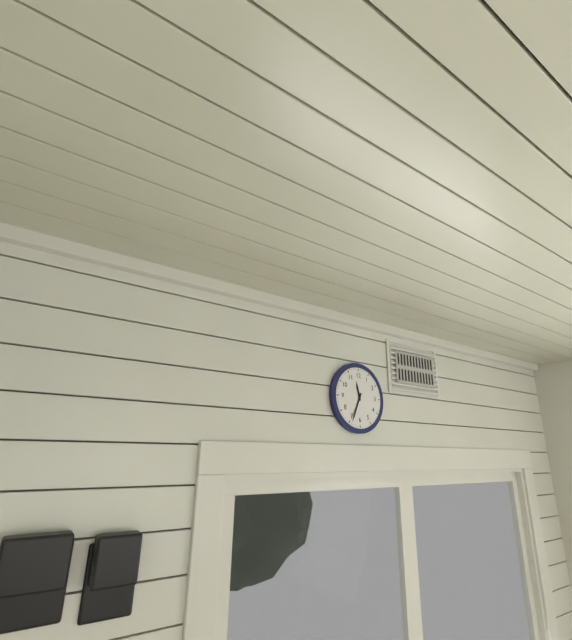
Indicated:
11,34
